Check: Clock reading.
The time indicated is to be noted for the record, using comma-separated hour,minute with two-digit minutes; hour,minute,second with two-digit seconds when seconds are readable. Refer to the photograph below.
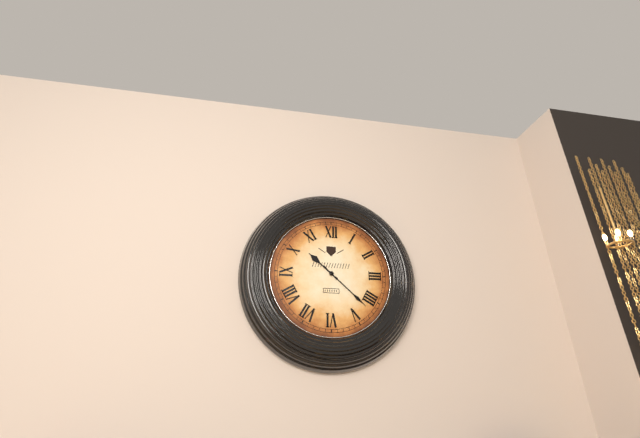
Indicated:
10,22
